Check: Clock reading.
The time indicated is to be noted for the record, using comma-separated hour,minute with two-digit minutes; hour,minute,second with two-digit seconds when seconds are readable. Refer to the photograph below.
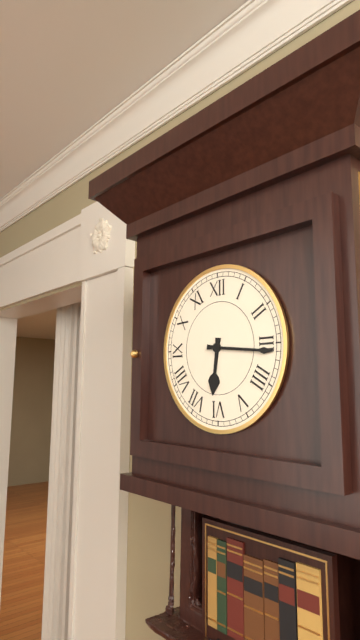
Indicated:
6,16
